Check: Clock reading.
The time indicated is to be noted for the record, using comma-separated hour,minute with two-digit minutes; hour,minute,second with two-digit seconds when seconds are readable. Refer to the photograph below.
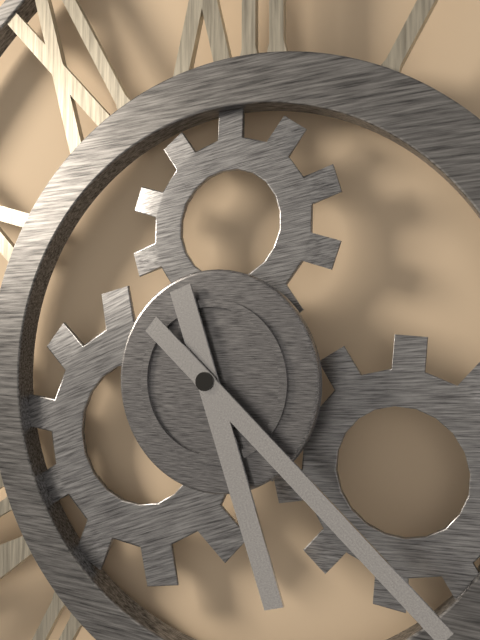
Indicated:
5,22
